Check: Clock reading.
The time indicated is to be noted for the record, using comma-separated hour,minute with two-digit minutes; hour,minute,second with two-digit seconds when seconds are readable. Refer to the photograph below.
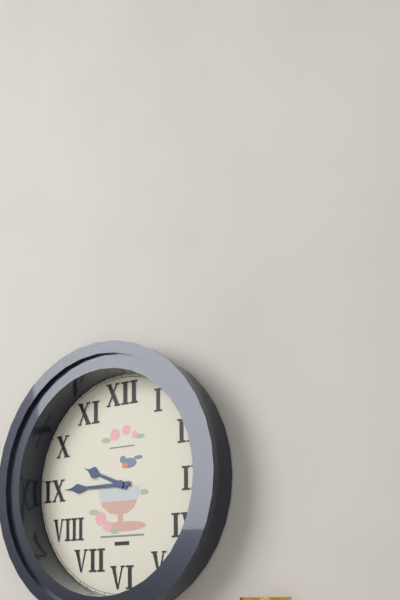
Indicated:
9,45
